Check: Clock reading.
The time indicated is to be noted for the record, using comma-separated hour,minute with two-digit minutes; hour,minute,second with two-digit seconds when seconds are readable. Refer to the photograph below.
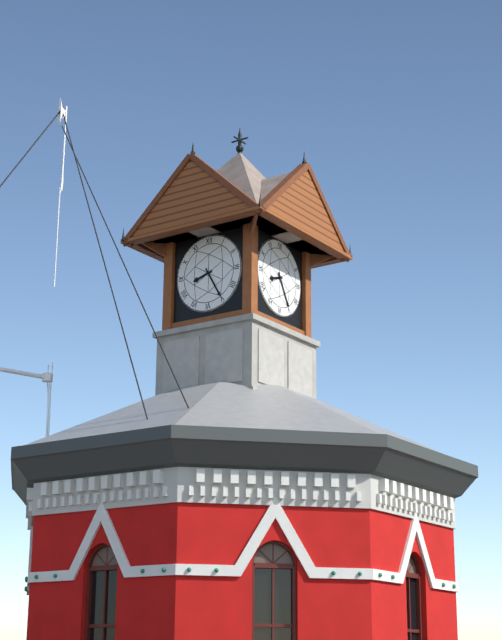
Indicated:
8,25
